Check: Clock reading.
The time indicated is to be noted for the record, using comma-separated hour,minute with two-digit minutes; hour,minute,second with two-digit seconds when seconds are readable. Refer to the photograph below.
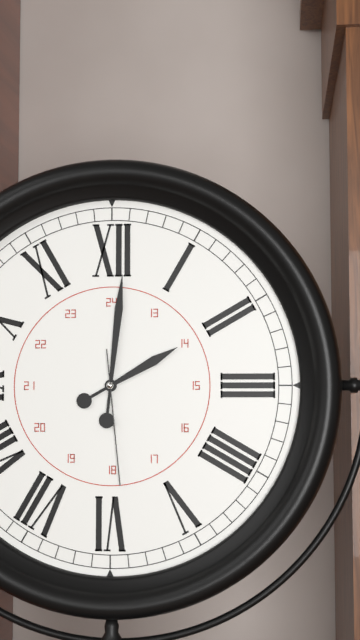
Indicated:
2,01,29
